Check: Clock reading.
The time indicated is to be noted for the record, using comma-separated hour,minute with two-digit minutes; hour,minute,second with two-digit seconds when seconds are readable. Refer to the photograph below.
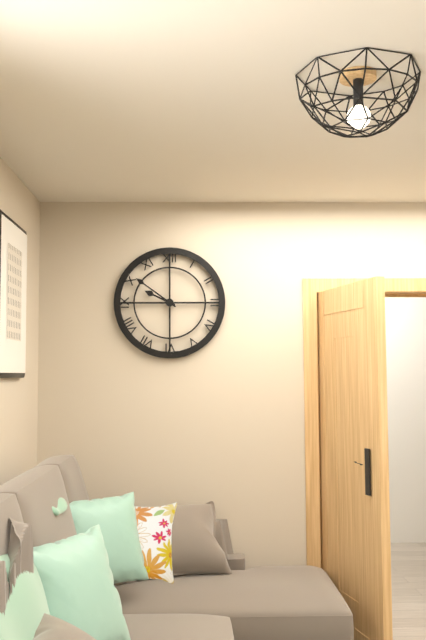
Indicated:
9,51
